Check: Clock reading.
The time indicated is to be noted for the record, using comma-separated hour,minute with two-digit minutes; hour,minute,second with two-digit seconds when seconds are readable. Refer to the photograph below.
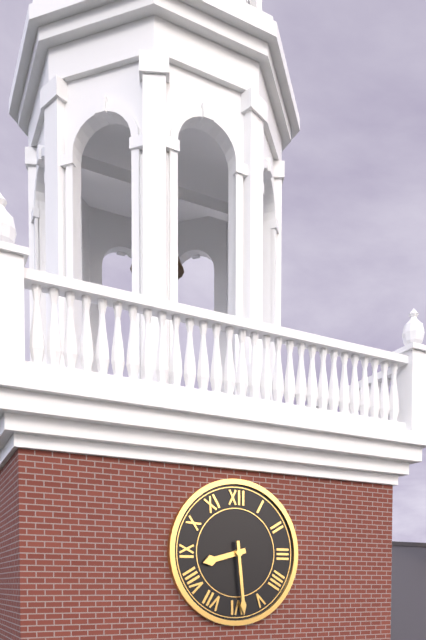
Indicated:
8,29
